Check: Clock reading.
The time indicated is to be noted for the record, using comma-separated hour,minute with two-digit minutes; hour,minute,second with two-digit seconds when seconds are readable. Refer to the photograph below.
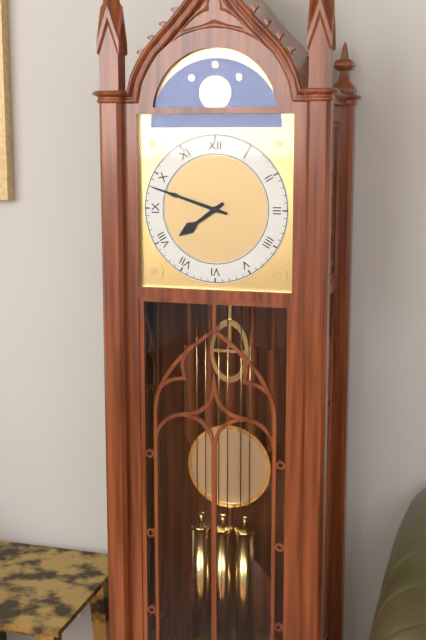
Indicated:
7,48
